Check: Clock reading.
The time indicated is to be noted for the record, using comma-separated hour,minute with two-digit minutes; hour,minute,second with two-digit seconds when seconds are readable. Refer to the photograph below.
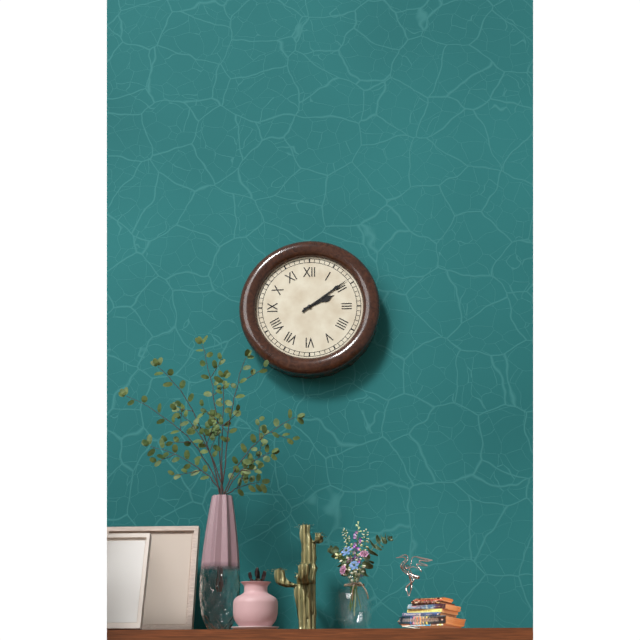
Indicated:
2,09
